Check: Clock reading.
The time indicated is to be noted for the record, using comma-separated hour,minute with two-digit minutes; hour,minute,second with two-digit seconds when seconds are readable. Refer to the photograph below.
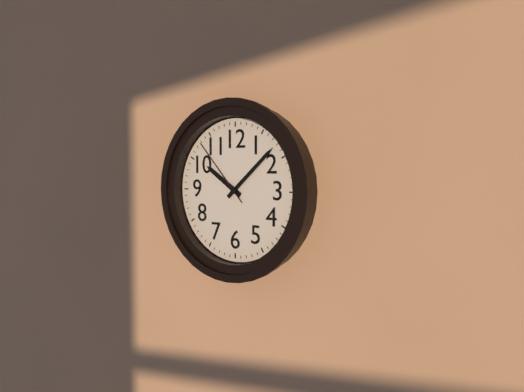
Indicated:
10,08,53
